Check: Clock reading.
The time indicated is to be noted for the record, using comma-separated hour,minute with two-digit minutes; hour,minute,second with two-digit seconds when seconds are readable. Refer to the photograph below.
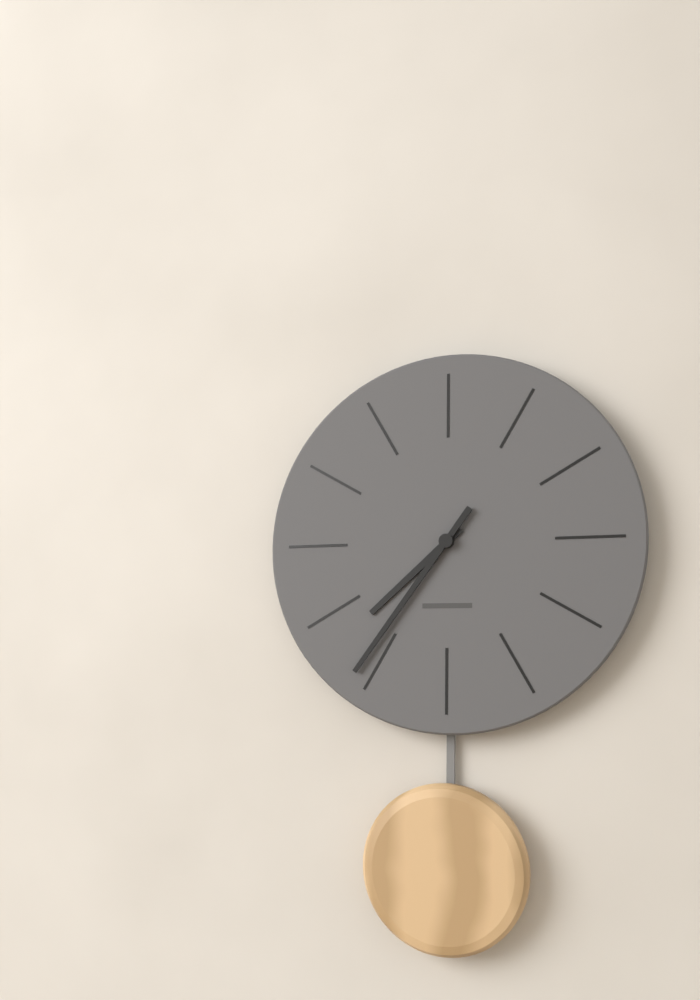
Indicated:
7,36
